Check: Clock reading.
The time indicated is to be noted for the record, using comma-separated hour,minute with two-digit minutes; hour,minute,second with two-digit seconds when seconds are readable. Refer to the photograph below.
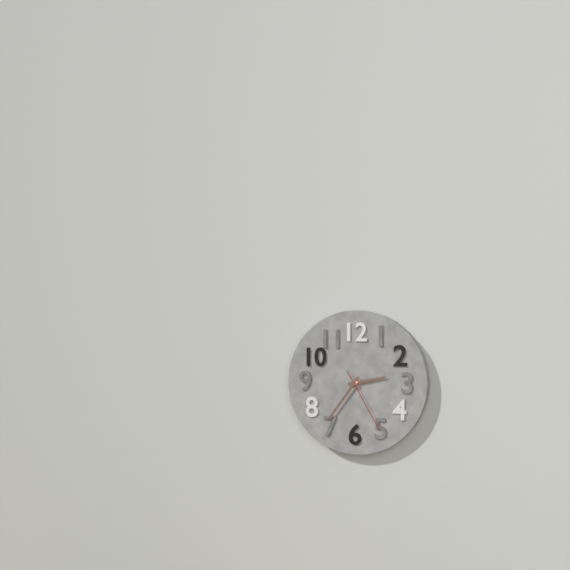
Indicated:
2,36,25
